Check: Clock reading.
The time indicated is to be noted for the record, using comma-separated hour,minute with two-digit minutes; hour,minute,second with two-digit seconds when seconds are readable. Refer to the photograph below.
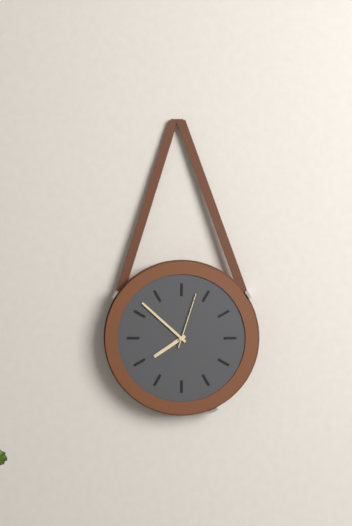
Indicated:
7,52,03
